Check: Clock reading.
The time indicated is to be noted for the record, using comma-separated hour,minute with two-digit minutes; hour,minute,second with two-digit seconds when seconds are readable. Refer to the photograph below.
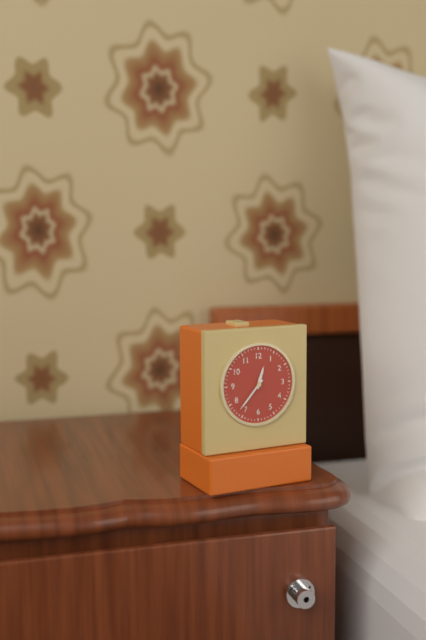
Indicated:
12,37
